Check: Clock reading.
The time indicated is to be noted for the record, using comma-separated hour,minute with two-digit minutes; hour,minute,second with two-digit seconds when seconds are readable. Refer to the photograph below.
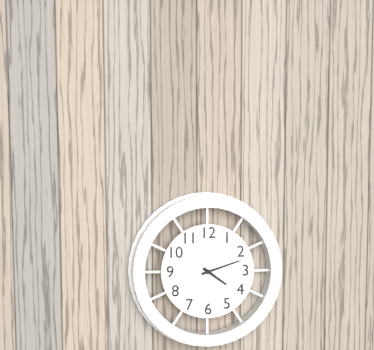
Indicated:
4,12
